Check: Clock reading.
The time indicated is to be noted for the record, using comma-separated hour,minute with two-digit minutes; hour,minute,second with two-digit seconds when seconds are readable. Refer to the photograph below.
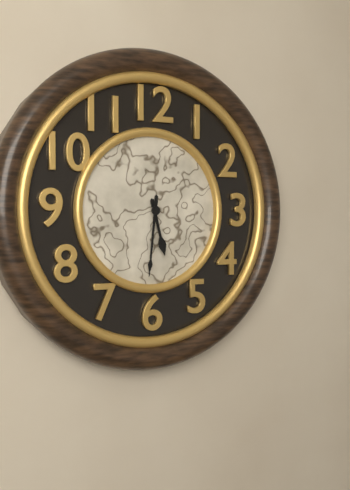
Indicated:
5,31
